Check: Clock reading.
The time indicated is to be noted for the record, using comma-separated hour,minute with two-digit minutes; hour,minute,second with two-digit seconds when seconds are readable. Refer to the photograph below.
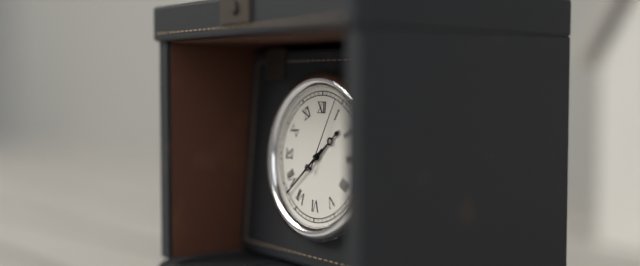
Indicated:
1,38,04
